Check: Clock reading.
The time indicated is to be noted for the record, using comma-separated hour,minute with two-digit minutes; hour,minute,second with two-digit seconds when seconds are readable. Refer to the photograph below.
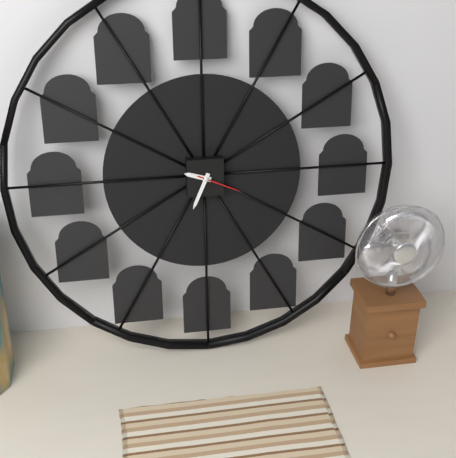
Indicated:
9,34
